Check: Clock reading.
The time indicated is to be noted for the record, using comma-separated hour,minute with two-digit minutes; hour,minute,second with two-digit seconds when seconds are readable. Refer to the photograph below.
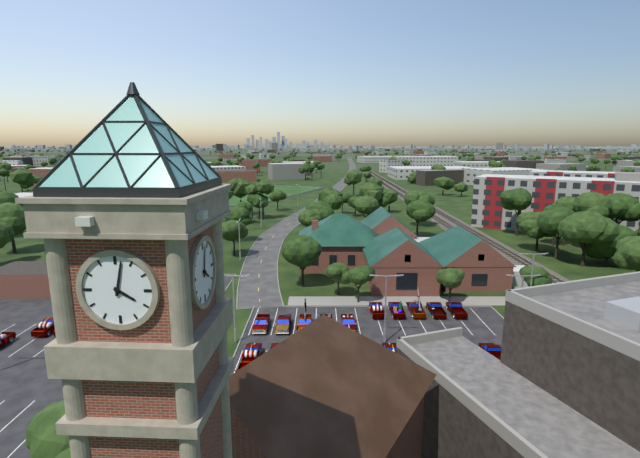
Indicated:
4,02
